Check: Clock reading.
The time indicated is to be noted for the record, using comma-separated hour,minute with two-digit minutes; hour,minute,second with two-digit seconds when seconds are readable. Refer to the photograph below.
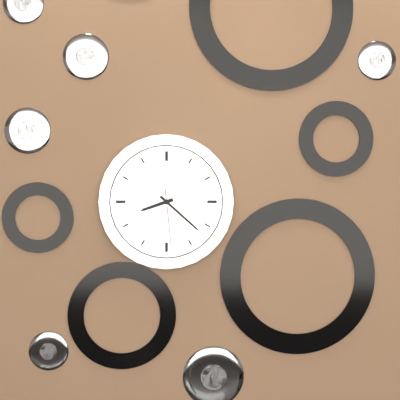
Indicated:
8,22,29
